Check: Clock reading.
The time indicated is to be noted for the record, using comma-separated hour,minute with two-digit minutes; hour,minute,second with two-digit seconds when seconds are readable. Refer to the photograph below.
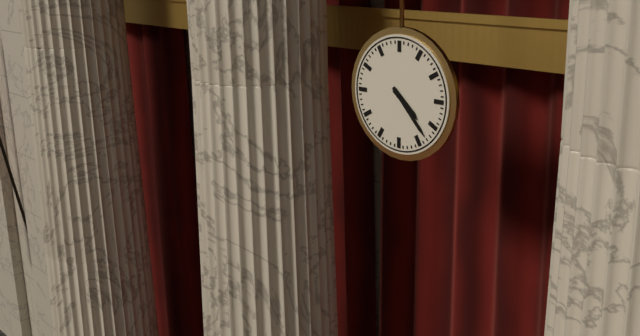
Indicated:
4,23
